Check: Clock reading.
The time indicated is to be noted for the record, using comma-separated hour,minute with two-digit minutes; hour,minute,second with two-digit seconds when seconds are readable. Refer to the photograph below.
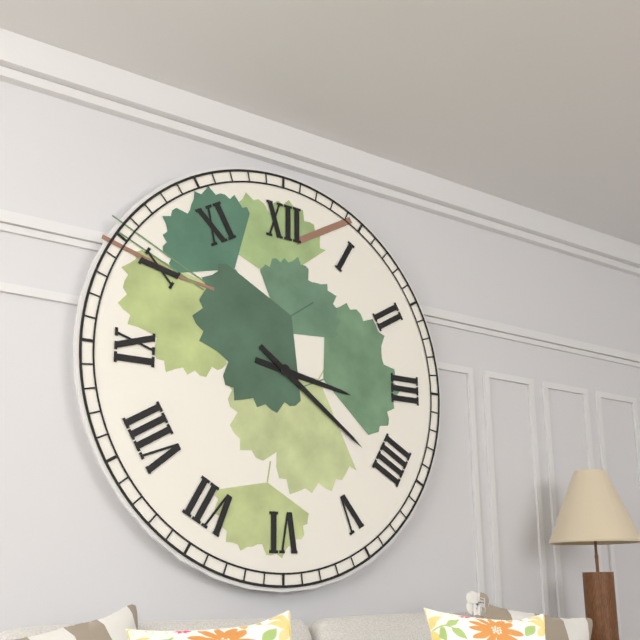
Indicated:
3,21
